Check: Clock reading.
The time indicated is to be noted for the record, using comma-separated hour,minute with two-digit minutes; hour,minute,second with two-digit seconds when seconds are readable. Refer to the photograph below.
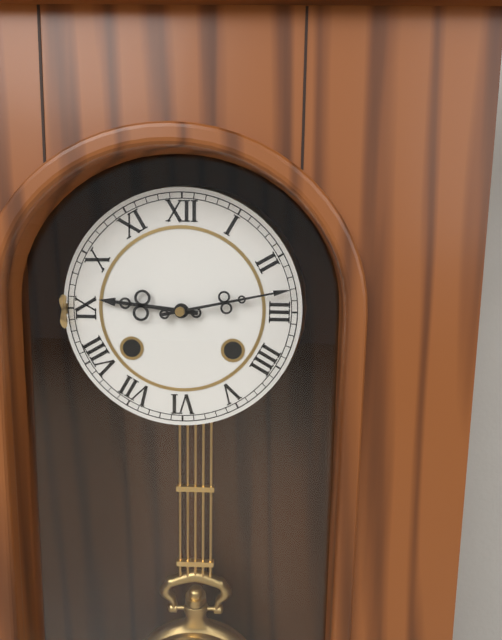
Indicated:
9,13
